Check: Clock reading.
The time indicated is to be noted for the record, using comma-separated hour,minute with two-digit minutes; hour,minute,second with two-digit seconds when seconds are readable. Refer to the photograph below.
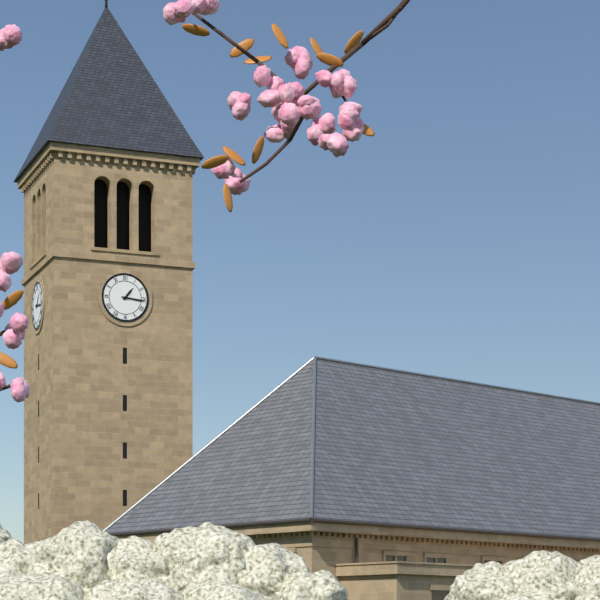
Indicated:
1,16
